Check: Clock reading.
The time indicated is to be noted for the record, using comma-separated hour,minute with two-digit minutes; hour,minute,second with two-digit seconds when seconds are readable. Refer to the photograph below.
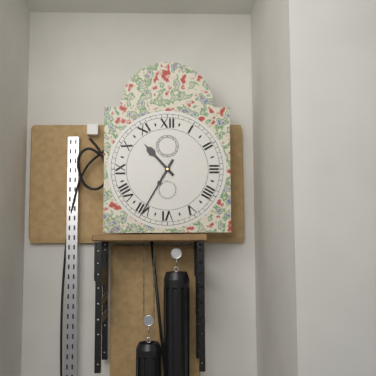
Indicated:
10,35
